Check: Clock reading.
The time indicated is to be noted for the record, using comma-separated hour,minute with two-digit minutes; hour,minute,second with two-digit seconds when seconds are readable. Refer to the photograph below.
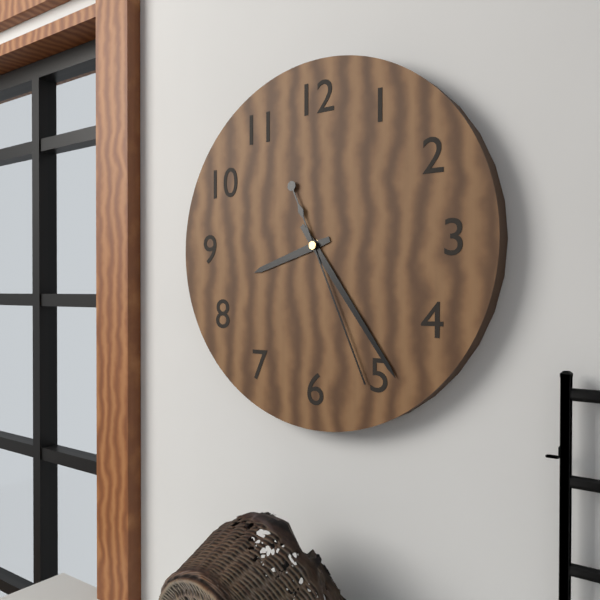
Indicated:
8,24,26
